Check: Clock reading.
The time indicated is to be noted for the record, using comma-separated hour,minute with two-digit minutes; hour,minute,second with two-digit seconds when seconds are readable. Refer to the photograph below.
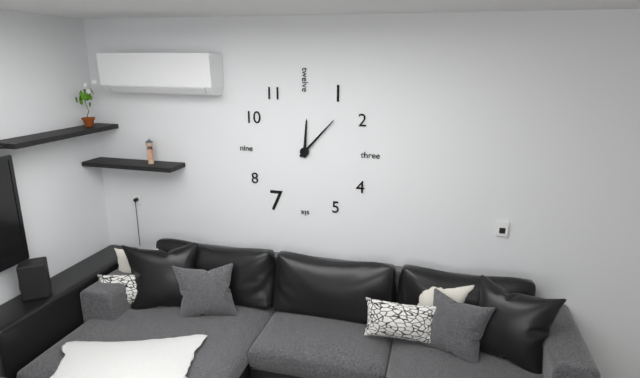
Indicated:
12,07
